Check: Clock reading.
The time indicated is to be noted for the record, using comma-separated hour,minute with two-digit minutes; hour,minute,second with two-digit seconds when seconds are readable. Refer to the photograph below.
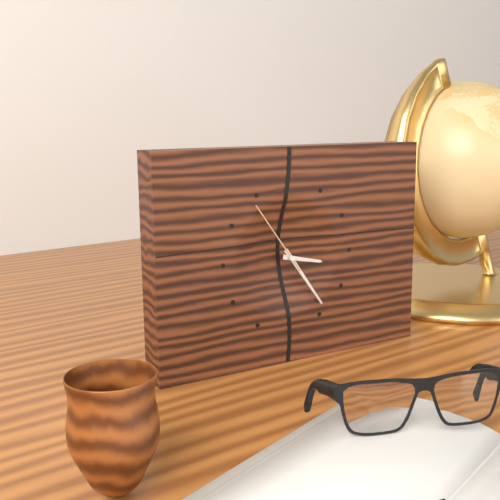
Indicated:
3,24,54
